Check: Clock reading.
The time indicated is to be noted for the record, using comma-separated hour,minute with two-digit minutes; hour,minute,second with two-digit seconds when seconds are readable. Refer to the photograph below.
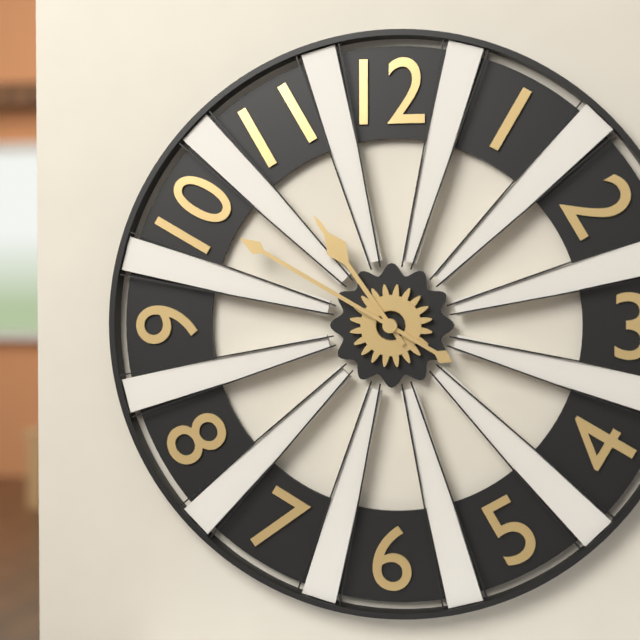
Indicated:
10,50
